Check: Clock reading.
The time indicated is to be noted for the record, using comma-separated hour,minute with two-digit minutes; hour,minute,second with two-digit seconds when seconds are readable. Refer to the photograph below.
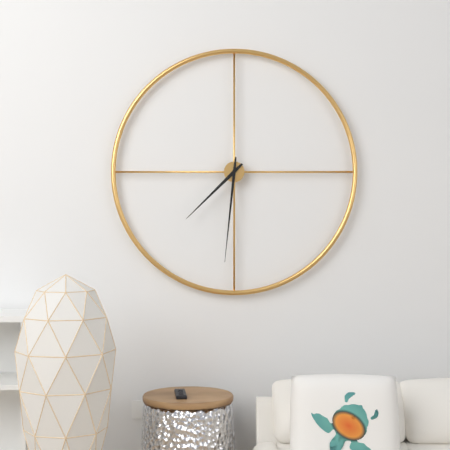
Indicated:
7,31
